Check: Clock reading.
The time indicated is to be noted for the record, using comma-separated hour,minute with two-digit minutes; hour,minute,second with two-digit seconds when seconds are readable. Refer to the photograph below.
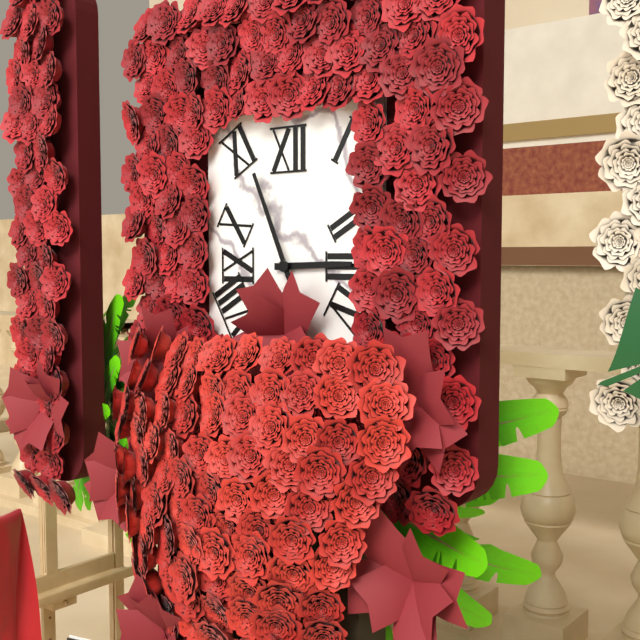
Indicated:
2,56
